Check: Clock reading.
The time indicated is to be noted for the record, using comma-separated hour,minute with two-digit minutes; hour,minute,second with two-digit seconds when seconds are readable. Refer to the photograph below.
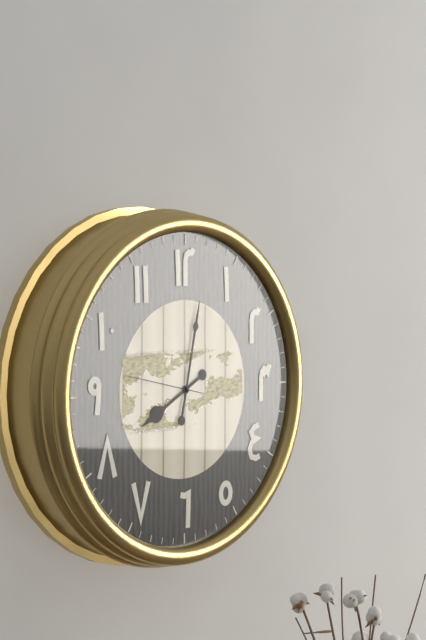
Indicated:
8,02
